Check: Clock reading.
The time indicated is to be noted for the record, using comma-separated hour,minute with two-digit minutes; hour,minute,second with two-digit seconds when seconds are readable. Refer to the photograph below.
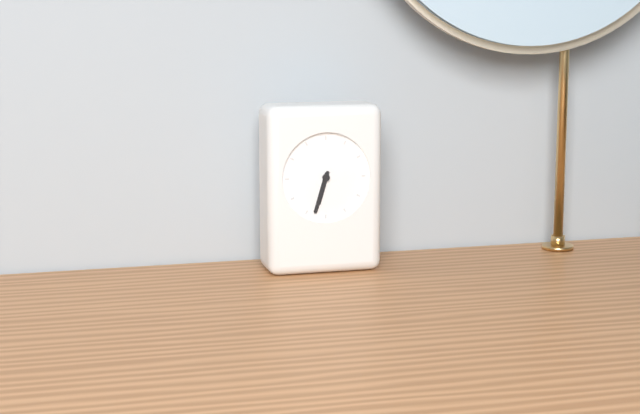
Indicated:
6,33
